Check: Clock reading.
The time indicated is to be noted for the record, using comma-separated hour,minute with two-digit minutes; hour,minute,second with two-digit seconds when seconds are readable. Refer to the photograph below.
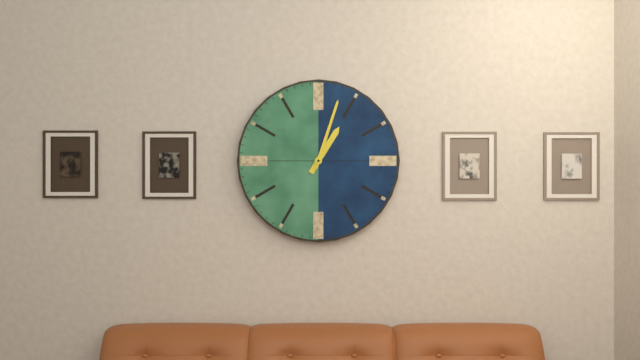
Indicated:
1,03
